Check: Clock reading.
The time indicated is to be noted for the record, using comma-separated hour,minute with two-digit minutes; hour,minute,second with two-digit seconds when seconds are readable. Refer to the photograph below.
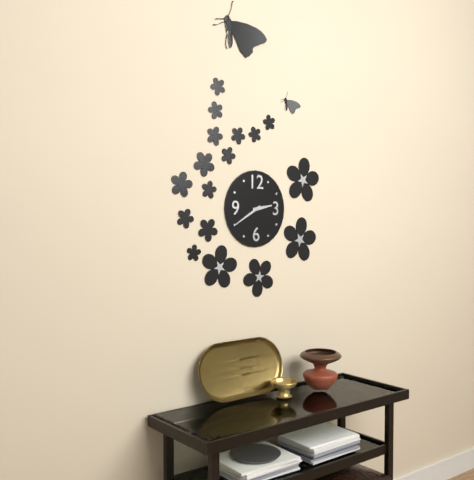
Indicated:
2,40
